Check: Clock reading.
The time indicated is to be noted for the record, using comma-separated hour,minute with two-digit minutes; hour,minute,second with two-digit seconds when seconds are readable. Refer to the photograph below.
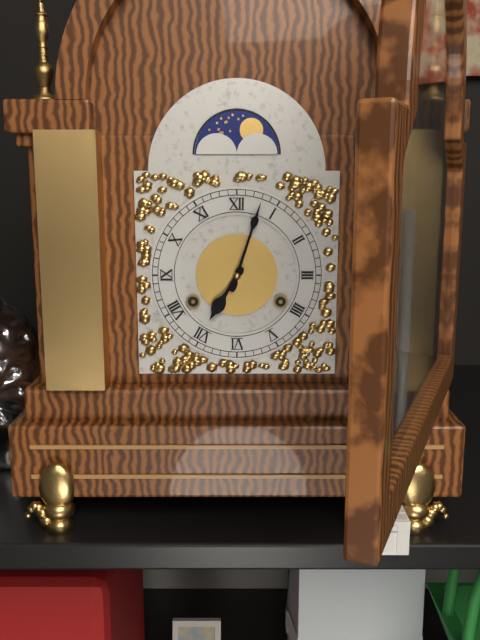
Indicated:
7,03
